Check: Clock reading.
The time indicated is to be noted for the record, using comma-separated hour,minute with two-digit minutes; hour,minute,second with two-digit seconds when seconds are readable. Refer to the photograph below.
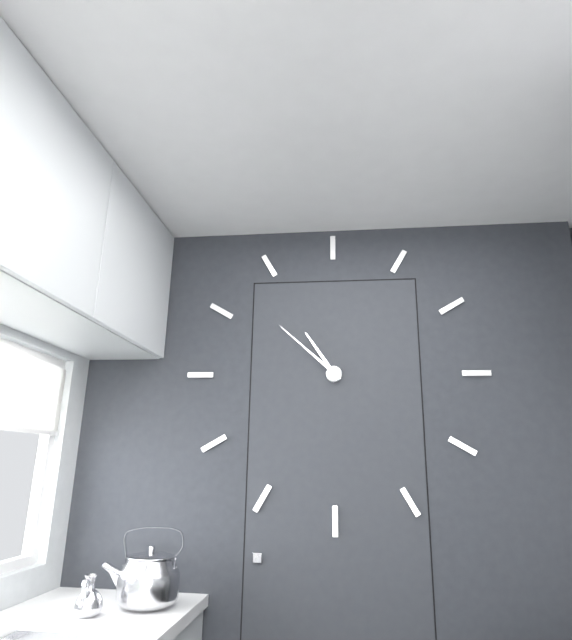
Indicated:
10,52
